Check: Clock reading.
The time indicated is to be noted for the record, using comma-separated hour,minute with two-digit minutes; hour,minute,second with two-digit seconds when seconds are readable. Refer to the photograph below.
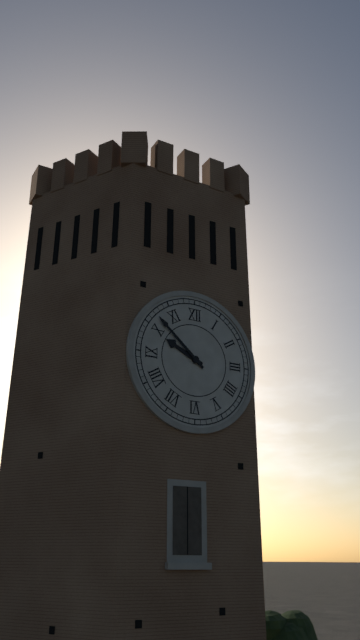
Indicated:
9,52
